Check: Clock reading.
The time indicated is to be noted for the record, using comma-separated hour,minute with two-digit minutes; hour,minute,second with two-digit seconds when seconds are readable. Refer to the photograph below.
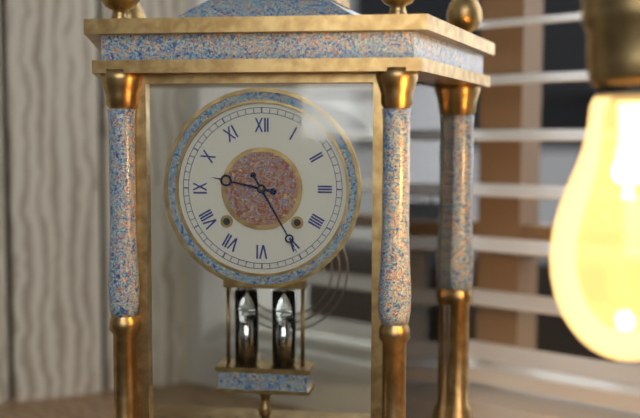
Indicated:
9,25
